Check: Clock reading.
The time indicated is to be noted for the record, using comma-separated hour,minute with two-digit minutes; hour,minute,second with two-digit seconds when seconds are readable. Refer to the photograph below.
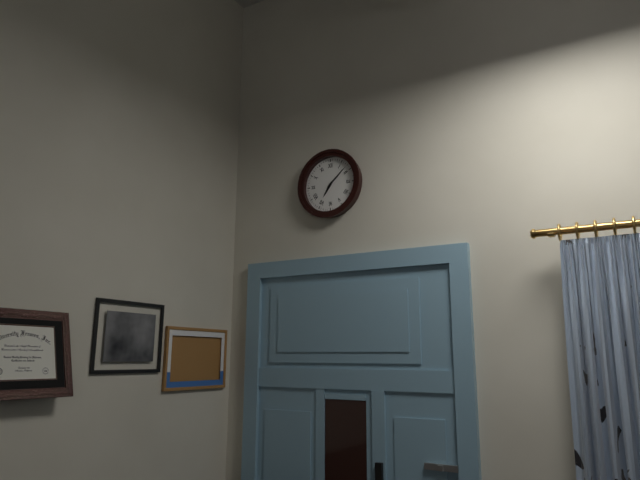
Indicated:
7,08
